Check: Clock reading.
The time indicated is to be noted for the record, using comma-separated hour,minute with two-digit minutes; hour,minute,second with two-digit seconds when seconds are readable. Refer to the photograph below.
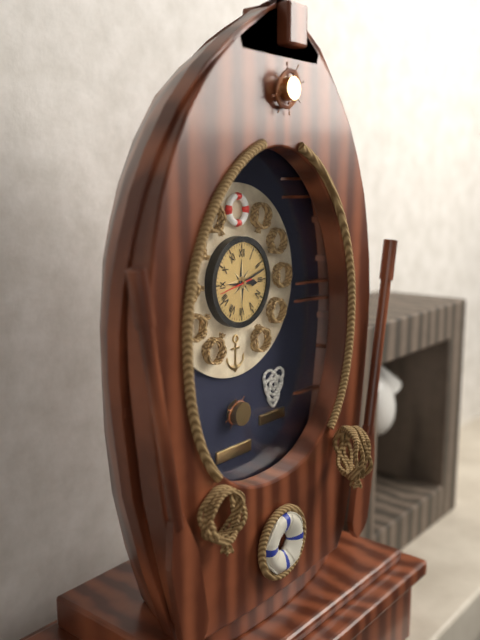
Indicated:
3,12
